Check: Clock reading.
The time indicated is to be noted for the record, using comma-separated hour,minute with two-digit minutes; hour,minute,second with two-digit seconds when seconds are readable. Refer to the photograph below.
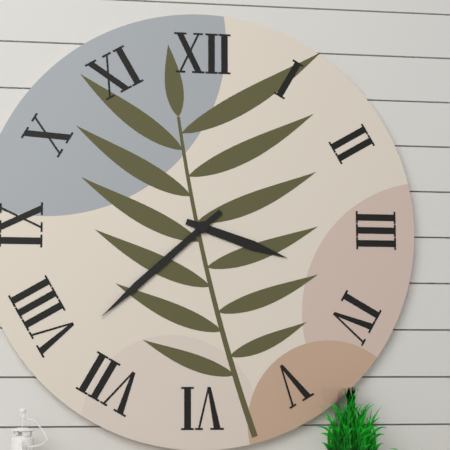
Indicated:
3,38
